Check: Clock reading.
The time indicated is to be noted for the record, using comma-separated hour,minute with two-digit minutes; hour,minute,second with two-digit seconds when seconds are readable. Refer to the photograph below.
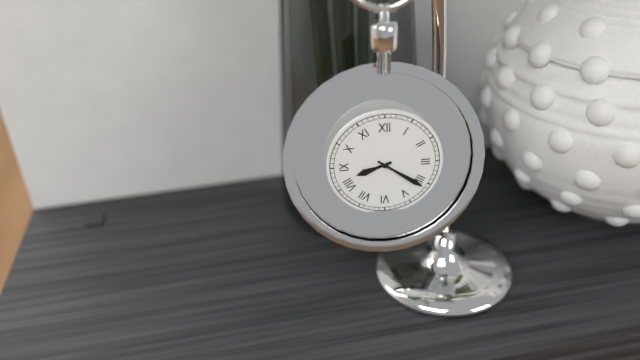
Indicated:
8,21
